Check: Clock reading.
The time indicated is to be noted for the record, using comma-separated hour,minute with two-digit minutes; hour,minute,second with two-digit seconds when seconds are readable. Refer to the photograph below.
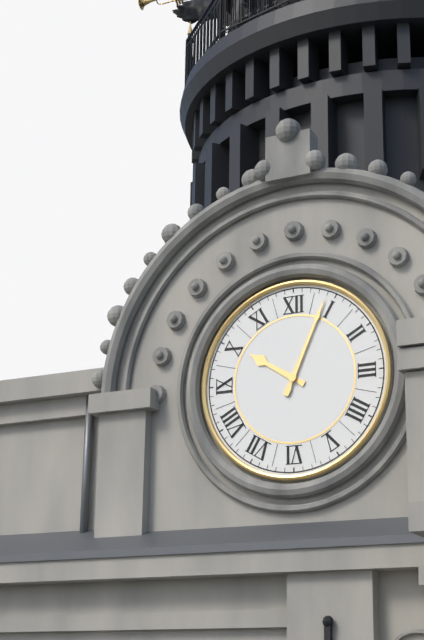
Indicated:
10,04
